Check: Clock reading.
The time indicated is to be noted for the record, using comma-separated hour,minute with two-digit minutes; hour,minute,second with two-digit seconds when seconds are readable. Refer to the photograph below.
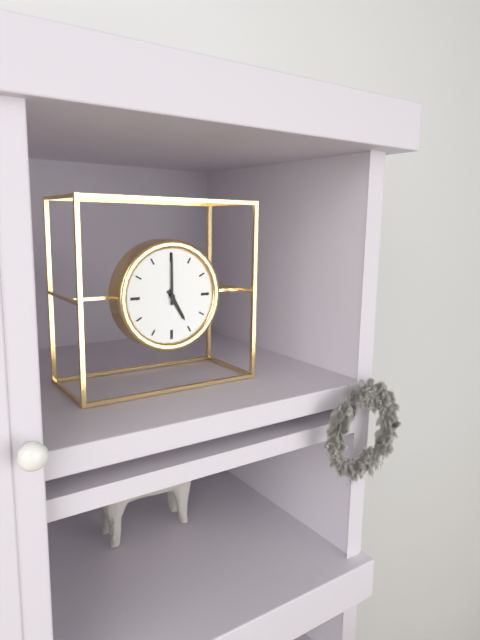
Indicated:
5,00
